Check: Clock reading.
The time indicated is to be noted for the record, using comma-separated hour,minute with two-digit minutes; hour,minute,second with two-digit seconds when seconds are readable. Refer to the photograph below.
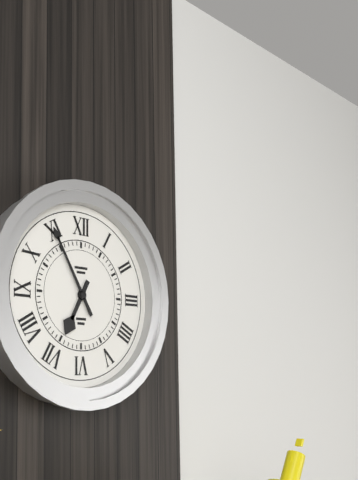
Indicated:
6,55
